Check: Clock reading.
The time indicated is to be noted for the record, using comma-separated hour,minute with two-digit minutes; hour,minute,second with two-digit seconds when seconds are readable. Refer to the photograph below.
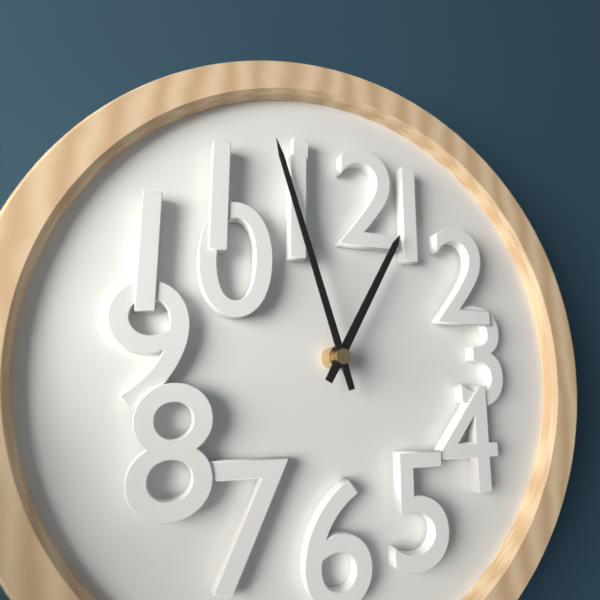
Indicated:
12,57
